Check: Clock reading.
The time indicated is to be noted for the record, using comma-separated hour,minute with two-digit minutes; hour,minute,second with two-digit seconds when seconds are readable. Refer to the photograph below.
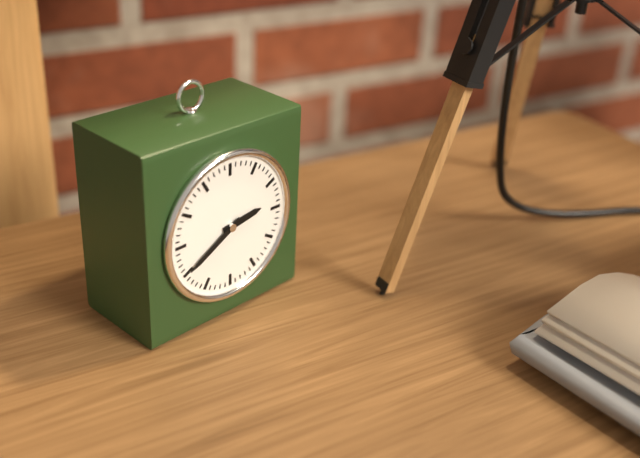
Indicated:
2,40
